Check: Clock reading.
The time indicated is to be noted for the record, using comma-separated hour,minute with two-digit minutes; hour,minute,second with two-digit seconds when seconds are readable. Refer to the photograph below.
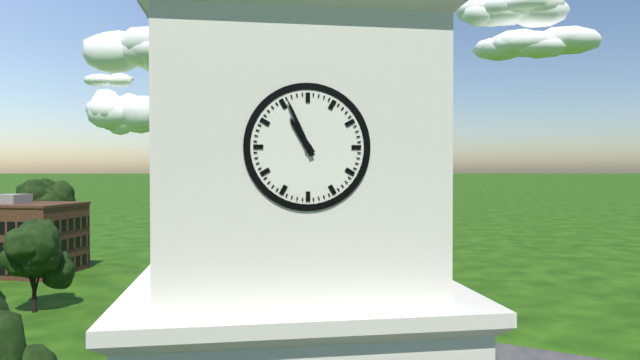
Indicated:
10,56
